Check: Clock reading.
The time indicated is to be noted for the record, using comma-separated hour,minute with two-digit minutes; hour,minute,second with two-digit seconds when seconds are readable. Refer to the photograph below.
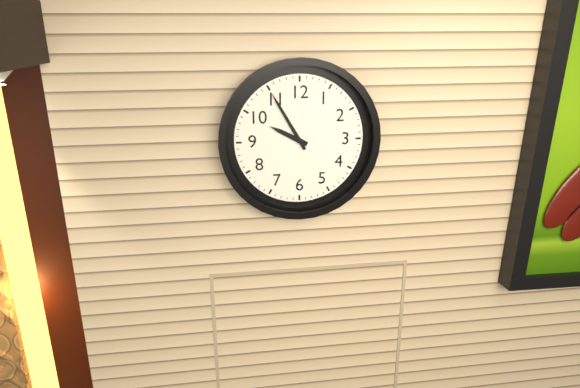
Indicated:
9,55
